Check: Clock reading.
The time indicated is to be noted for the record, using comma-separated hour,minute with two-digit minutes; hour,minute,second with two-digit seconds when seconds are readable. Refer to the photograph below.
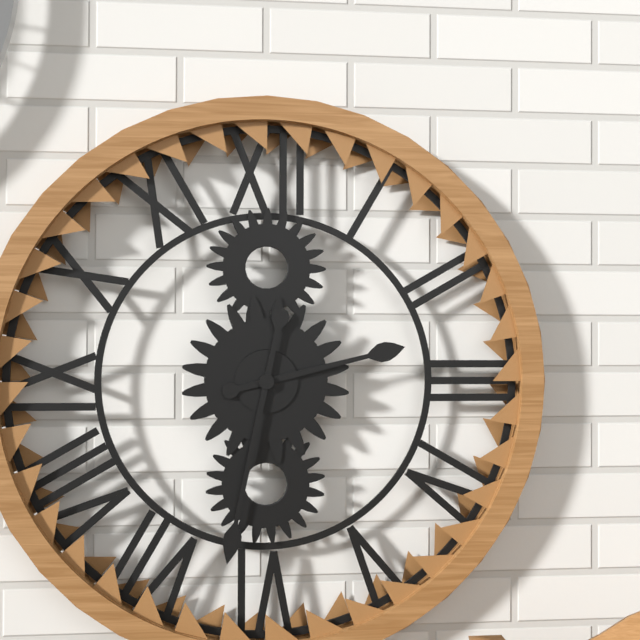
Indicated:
2,32
